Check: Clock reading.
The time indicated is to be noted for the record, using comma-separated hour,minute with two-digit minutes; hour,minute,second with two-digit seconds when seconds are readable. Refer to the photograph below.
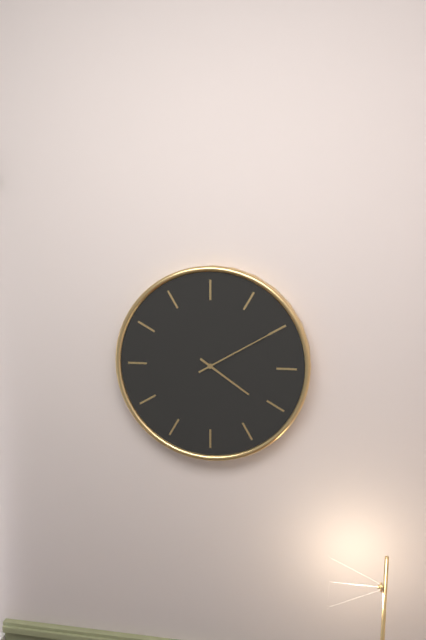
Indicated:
4,10
